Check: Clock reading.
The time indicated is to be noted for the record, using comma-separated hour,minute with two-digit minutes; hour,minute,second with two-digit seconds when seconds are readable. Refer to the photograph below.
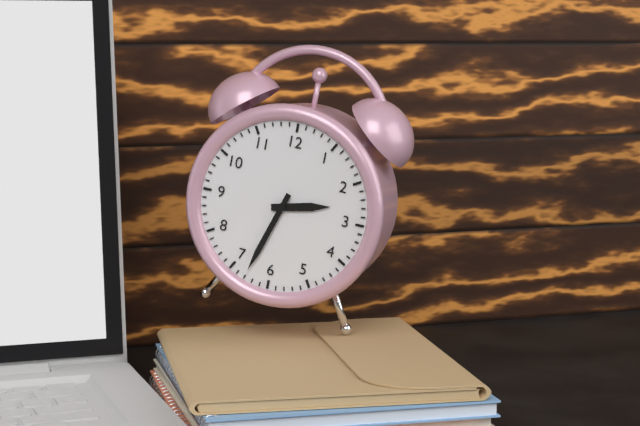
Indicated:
2,33
